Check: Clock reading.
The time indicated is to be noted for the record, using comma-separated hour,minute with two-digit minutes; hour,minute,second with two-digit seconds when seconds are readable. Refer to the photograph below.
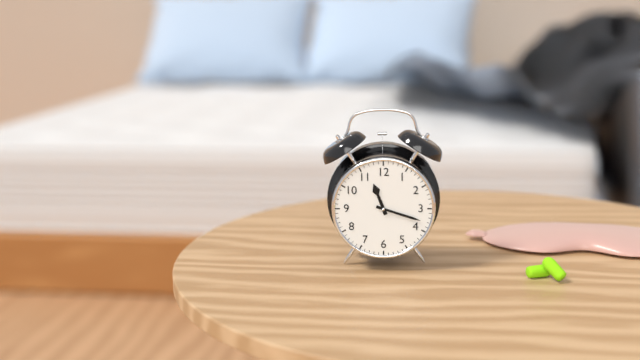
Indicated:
11,18
